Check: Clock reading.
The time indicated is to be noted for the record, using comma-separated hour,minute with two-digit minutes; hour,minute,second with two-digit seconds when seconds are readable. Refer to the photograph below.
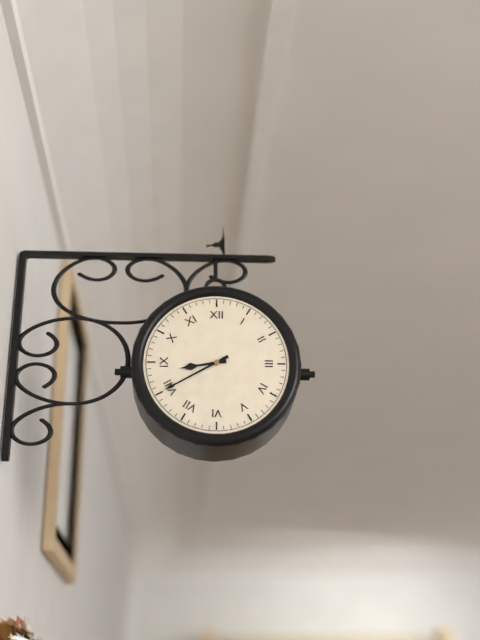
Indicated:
8,40
